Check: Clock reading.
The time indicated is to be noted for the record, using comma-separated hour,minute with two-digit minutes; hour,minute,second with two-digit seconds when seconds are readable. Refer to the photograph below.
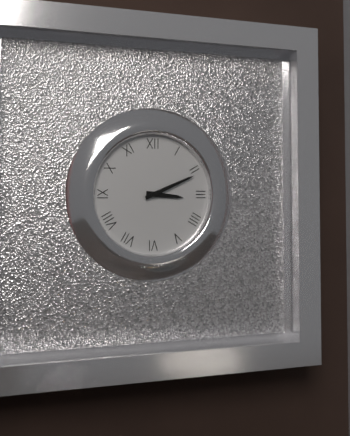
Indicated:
3,11
